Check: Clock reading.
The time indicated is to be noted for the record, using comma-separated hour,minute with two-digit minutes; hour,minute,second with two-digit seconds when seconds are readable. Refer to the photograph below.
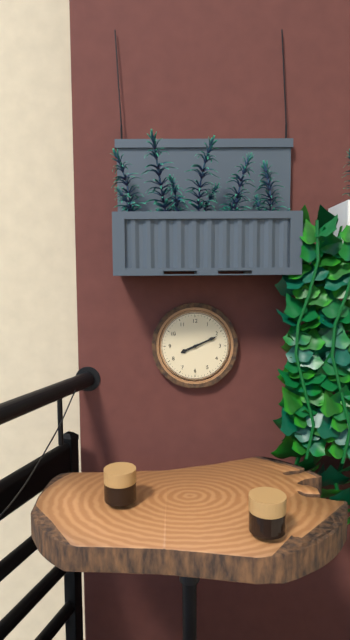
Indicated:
8,11
